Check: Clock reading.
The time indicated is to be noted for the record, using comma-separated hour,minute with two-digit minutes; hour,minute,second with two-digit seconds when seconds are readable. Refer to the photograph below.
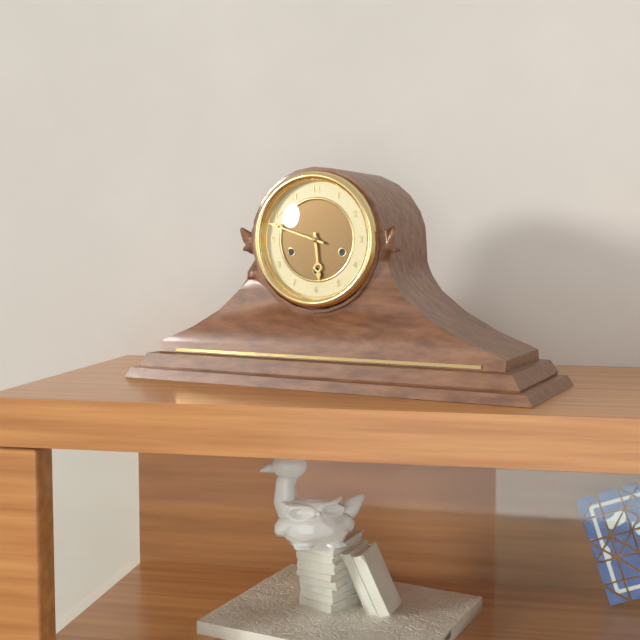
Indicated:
5,48
